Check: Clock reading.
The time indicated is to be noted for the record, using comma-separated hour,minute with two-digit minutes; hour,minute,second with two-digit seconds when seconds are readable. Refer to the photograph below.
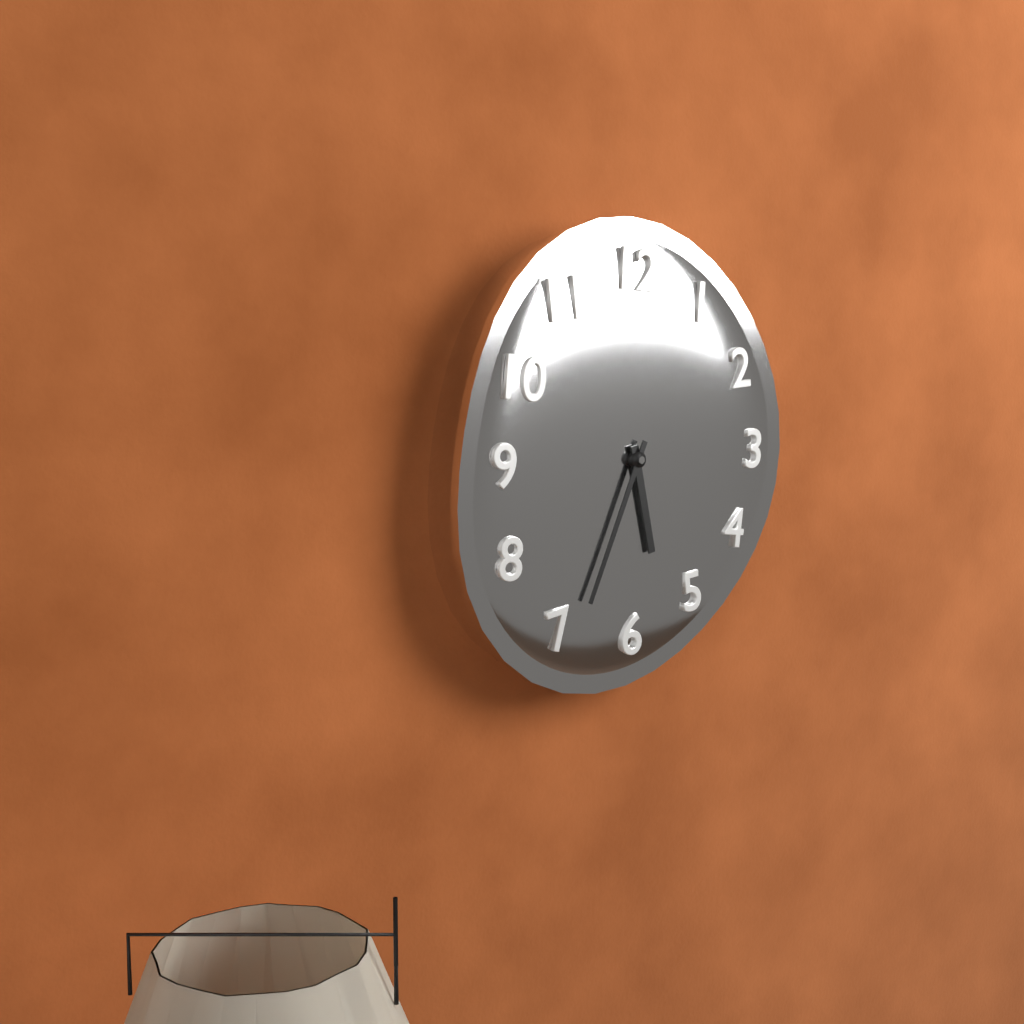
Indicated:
5,34
